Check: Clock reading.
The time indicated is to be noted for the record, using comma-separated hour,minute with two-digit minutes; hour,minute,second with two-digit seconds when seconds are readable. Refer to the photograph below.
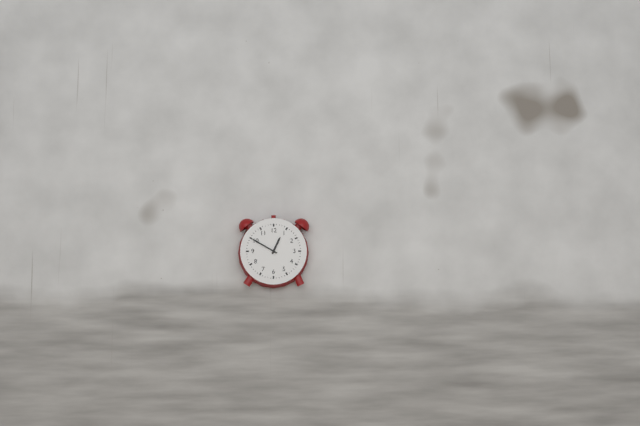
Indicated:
12,50
